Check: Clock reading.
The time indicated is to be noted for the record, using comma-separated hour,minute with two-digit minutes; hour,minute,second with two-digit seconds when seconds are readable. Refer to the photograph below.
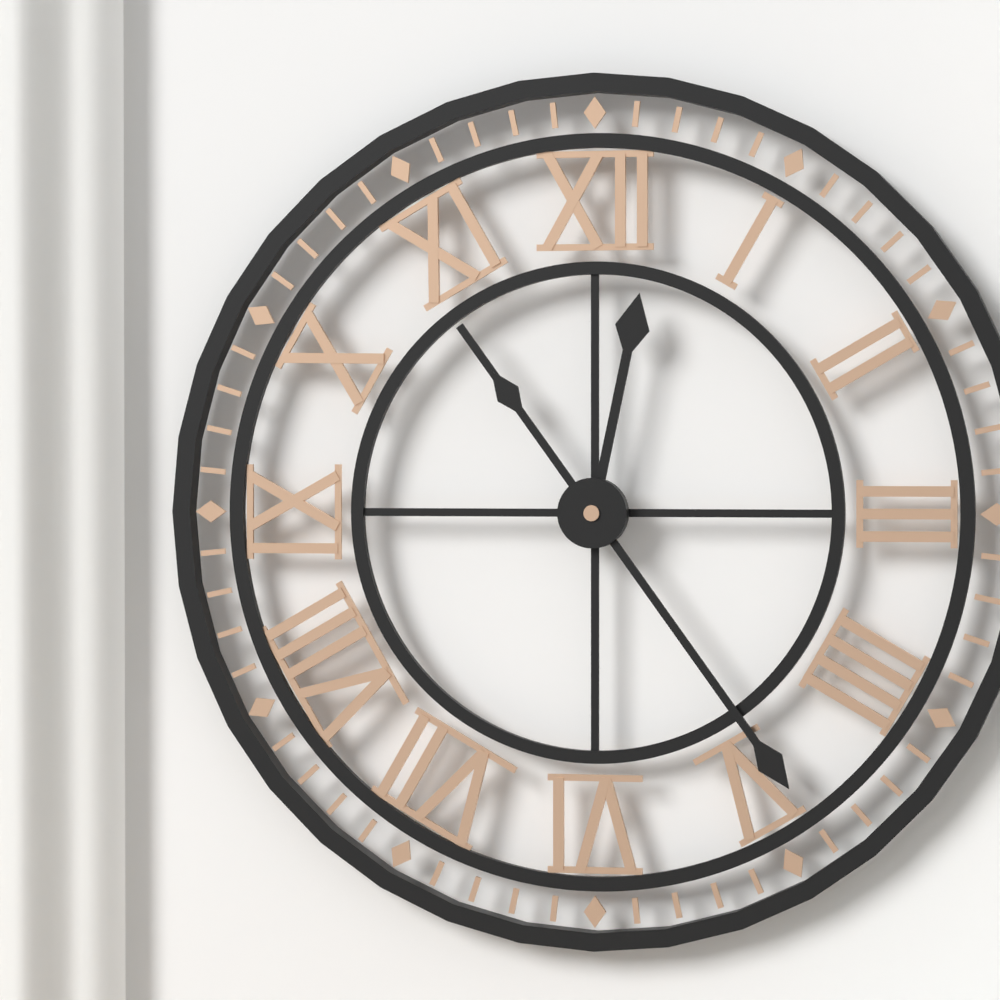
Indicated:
12,24
